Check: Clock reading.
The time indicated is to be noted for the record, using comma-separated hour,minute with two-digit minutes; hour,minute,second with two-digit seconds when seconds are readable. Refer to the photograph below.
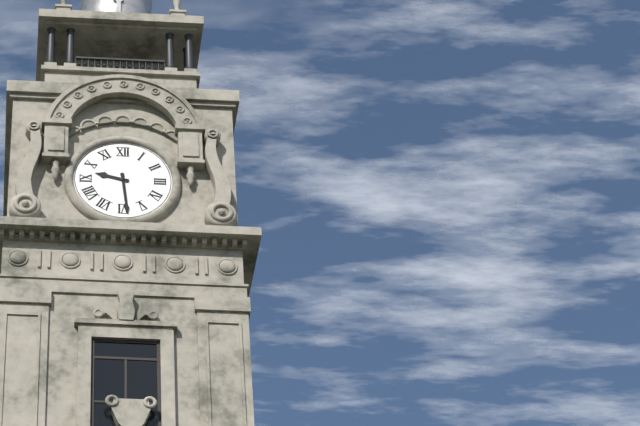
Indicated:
9,29
